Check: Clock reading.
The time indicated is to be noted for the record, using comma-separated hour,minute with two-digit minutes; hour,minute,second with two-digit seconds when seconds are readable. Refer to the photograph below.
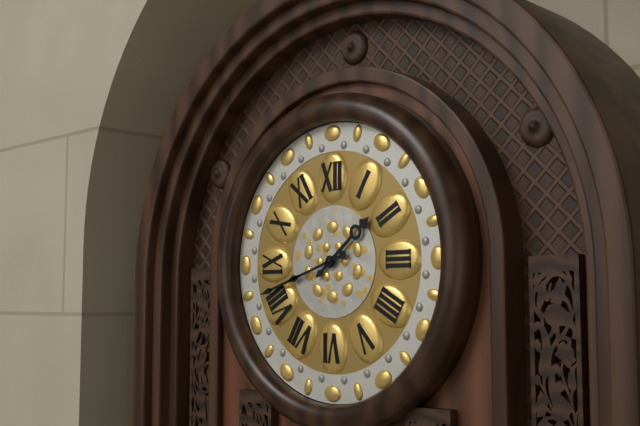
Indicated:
1,42
